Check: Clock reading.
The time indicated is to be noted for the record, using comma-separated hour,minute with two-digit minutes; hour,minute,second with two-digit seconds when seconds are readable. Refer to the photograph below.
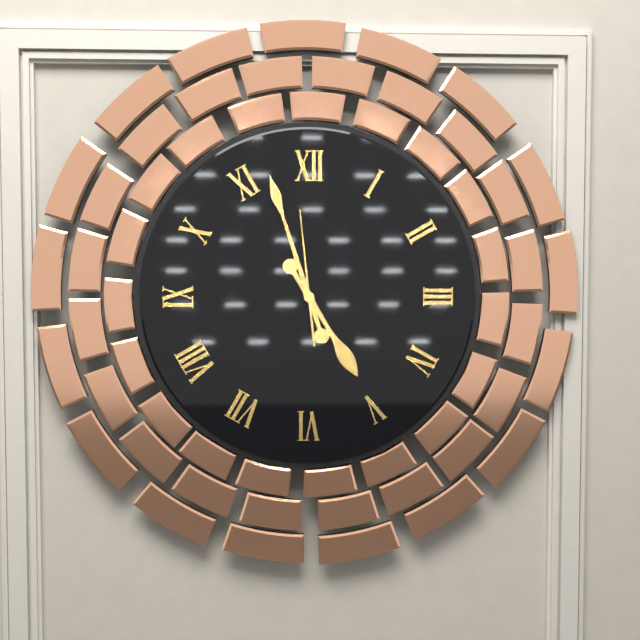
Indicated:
4,57,59
